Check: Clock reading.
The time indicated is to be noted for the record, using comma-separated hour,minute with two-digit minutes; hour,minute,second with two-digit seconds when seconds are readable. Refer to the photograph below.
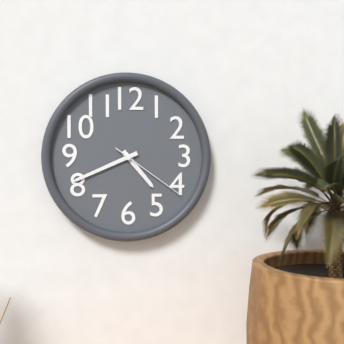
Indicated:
4,41,21
